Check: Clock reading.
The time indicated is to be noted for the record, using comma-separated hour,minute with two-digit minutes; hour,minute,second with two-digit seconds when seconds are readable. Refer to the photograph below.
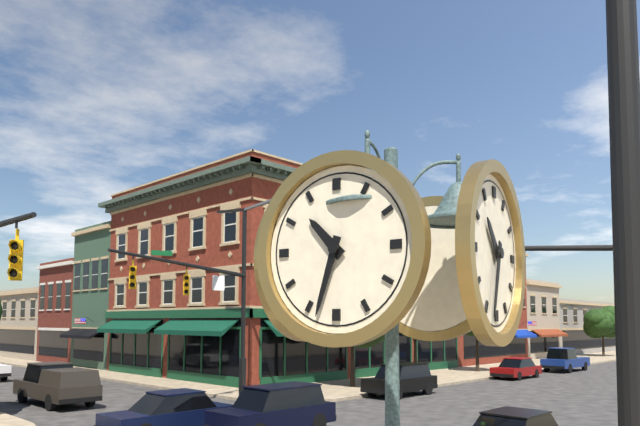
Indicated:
10,33
